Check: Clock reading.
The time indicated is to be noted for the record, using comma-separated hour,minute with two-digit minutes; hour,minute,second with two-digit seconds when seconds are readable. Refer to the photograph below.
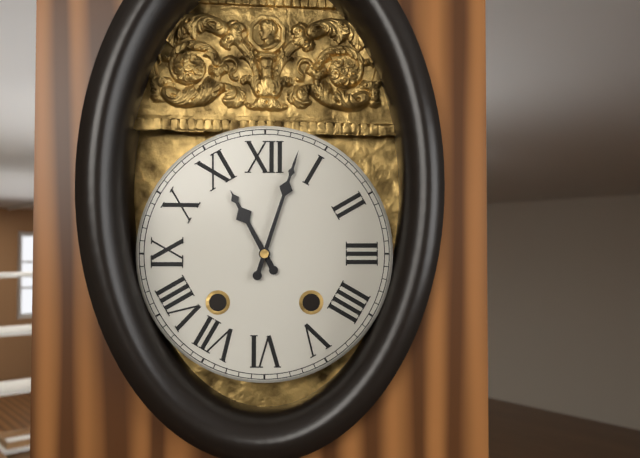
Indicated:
11,03
